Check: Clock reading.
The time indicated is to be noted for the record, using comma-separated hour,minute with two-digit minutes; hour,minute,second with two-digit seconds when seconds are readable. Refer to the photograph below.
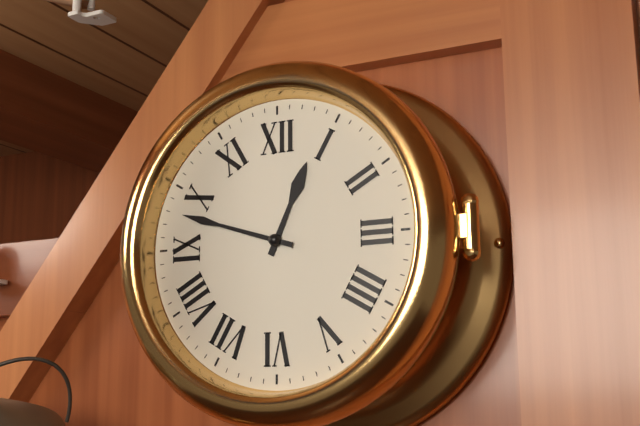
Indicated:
12,48
